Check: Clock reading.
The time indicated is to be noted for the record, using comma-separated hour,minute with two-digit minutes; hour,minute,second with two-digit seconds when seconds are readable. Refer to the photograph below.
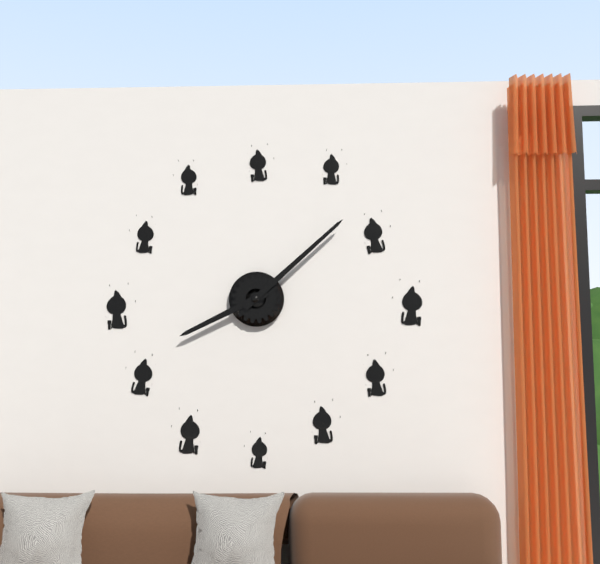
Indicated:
8,08
